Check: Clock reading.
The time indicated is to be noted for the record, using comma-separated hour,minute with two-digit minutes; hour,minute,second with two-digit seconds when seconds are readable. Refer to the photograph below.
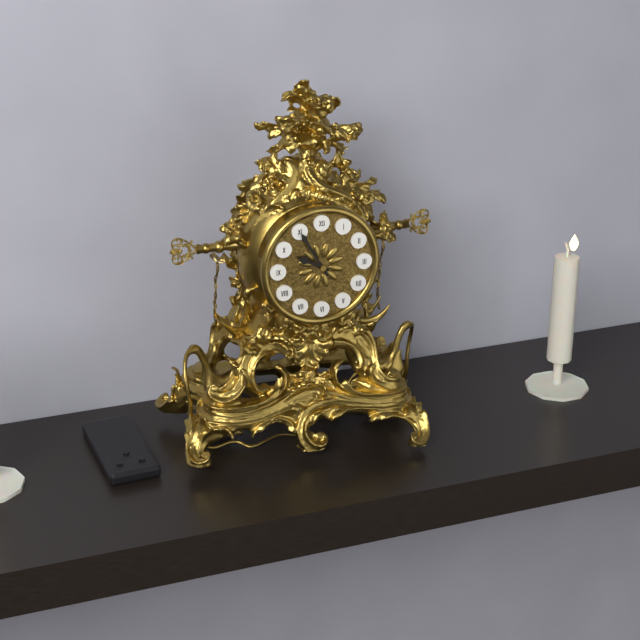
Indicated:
9,55
